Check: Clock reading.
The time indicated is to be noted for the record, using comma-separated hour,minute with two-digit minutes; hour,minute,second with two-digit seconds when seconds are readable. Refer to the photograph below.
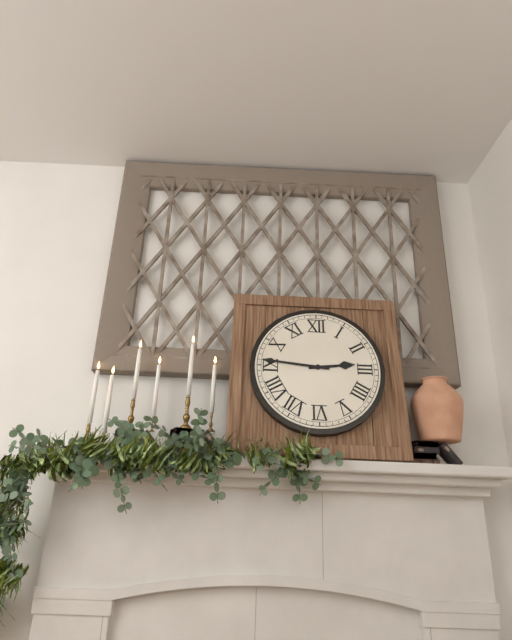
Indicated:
2,46
